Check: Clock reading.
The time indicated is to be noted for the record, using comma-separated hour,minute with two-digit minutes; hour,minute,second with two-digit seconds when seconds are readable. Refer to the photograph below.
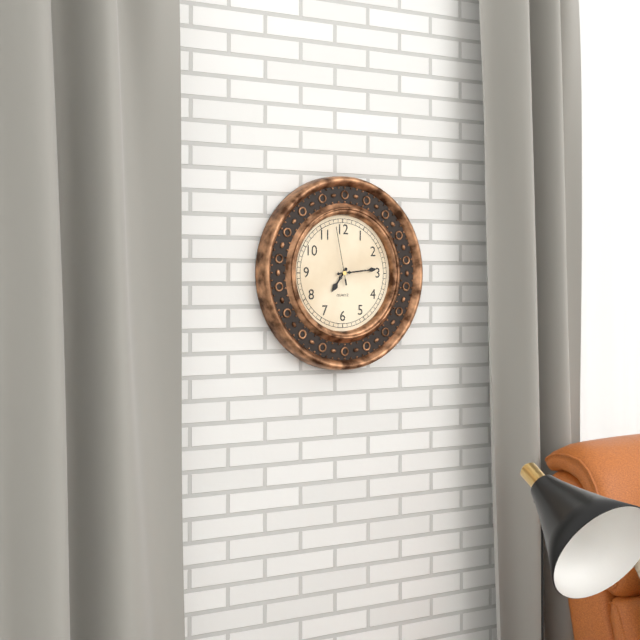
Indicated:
7,14,58
